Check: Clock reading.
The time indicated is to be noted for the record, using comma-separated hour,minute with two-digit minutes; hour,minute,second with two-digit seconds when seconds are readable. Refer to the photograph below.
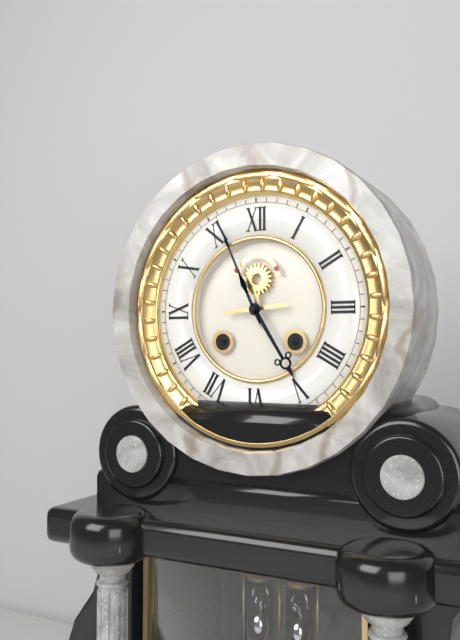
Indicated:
4,56
